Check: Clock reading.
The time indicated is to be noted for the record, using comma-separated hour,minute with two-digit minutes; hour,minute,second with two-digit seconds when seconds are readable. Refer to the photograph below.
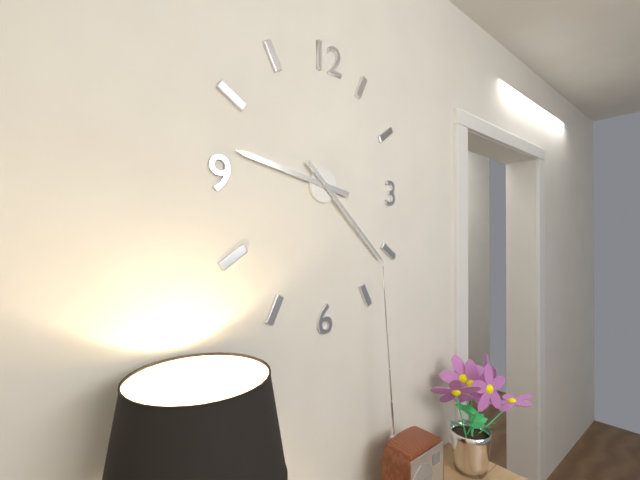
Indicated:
9,22
